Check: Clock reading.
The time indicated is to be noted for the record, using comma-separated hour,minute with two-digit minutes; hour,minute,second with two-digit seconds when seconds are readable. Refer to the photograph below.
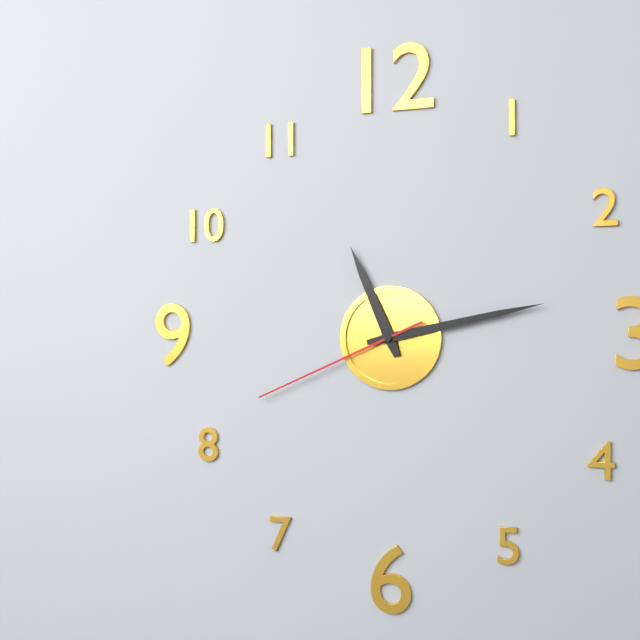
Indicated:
11,13,41
